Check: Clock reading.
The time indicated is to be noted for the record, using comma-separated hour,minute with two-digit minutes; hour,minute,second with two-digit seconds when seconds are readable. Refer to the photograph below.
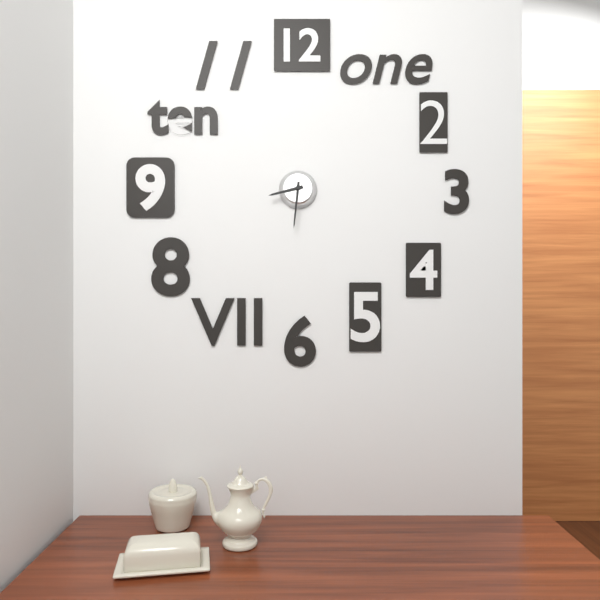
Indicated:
8,31
